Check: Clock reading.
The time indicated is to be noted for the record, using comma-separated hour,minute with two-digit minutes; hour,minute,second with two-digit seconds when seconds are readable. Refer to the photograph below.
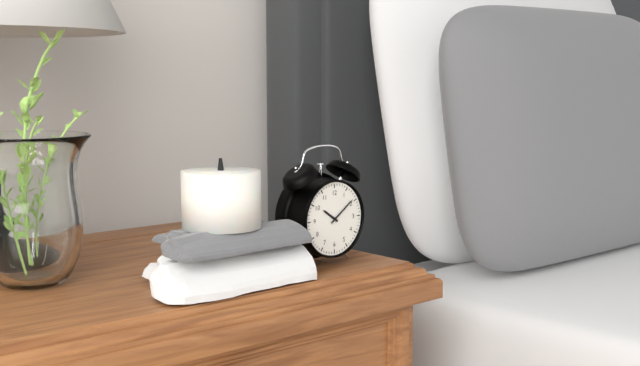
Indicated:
10,09
